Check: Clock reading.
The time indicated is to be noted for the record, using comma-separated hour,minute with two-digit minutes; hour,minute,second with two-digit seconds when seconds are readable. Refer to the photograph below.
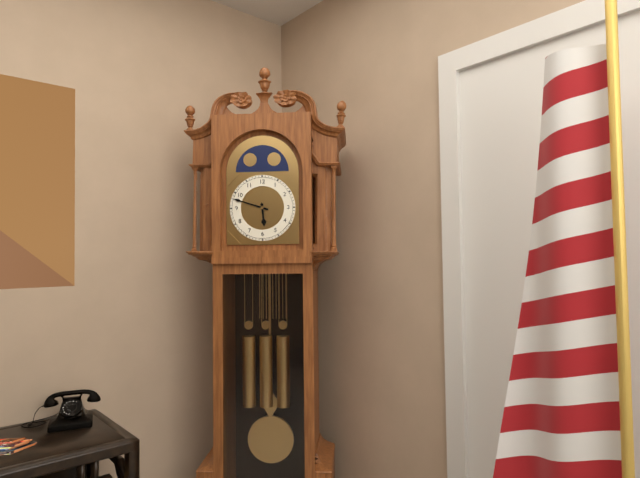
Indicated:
5,48
